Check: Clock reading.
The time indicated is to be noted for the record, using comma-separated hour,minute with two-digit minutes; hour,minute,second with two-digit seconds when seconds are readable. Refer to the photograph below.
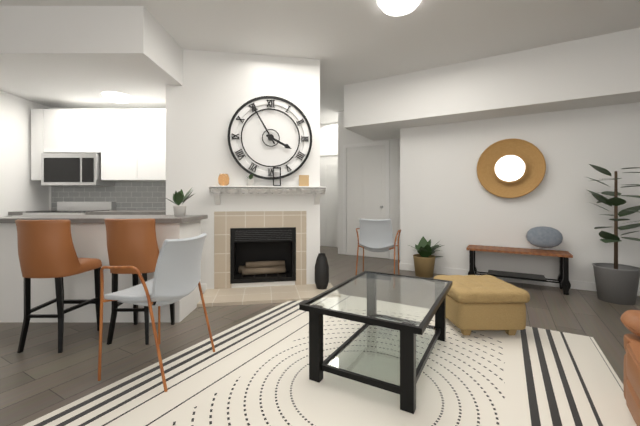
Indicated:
3,55
